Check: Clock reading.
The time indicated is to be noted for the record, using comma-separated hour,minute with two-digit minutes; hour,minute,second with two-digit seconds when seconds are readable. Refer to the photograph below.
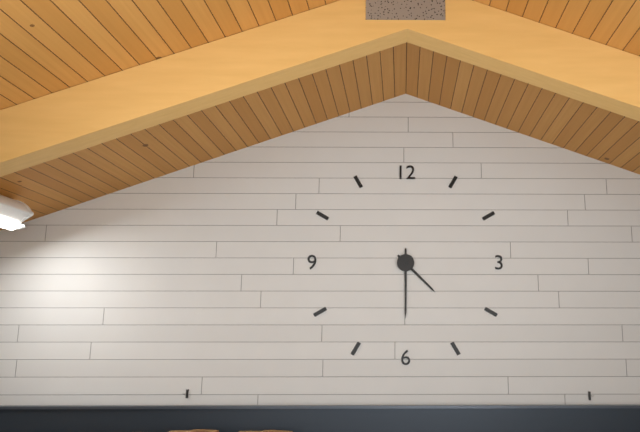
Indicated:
4,30
